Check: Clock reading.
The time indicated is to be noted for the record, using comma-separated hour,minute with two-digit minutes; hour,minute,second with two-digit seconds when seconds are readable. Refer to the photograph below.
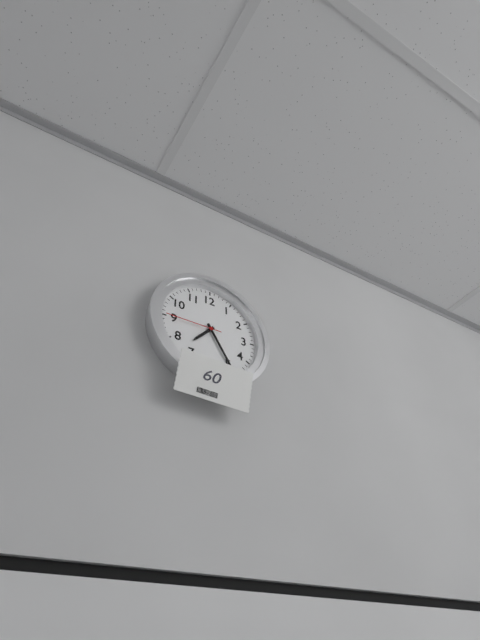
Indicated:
7,25,45
